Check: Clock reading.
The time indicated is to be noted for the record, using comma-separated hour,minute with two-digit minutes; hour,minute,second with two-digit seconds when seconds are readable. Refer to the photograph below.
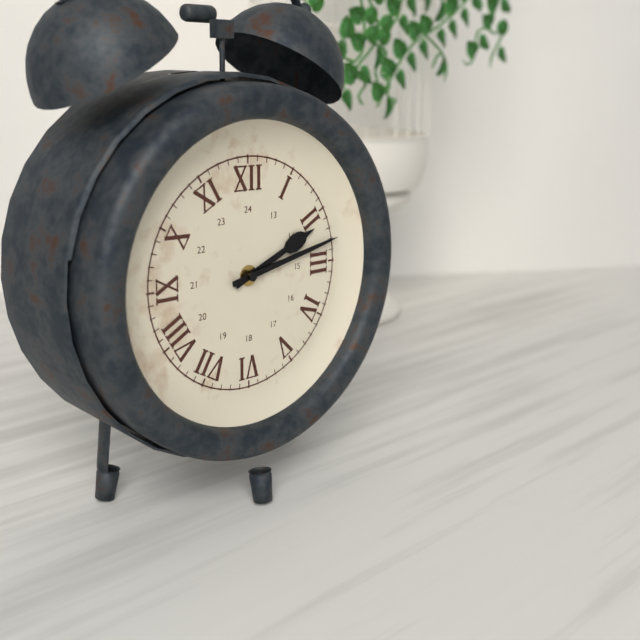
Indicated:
2,13
